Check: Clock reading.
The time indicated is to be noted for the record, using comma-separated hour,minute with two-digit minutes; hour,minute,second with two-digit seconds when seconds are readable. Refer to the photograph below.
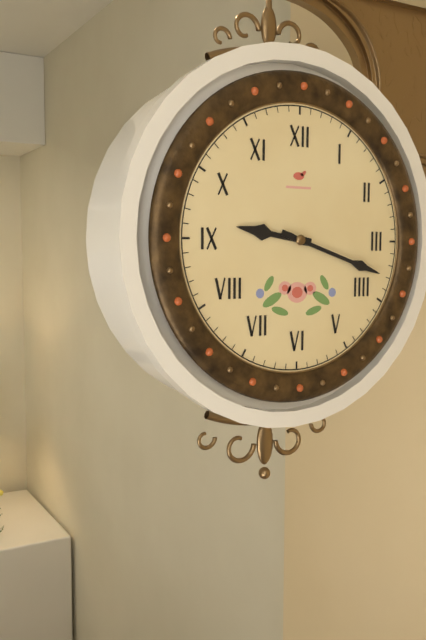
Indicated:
9,18
